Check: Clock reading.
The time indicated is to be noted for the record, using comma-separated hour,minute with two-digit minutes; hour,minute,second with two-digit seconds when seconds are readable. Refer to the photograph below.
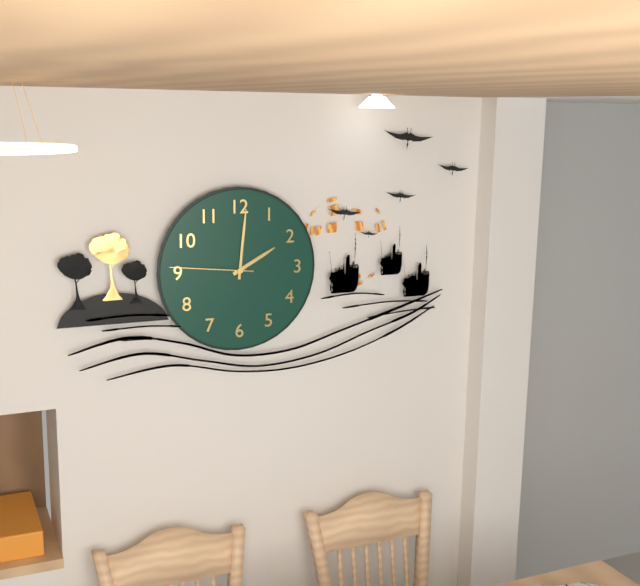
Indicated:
2,01,46
